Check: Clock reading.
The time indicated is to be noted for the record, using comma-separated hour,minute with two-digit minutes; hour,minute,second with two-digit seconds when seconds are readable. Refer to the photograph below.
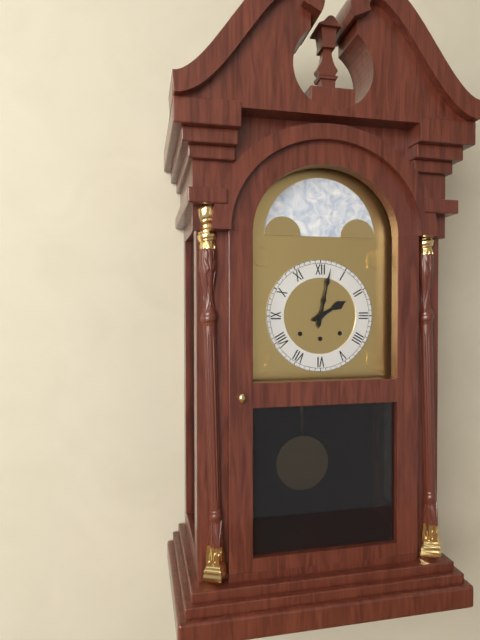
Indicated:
2,02
